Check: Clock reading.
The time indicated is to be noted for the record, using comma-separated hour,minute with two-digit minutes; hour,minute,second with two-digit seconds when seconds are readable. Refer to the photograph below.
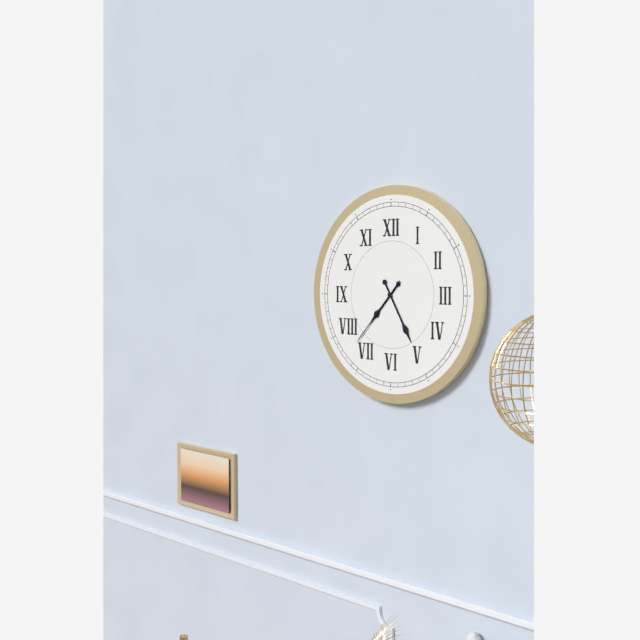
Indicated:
7,25,37
